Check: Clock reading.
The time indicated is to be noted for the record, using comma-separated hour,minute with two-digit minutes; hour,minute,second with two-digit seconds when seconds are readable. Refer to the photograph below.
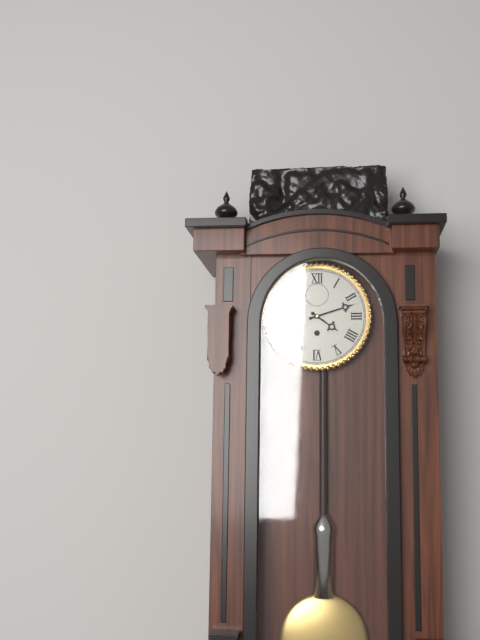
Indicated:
4,12
